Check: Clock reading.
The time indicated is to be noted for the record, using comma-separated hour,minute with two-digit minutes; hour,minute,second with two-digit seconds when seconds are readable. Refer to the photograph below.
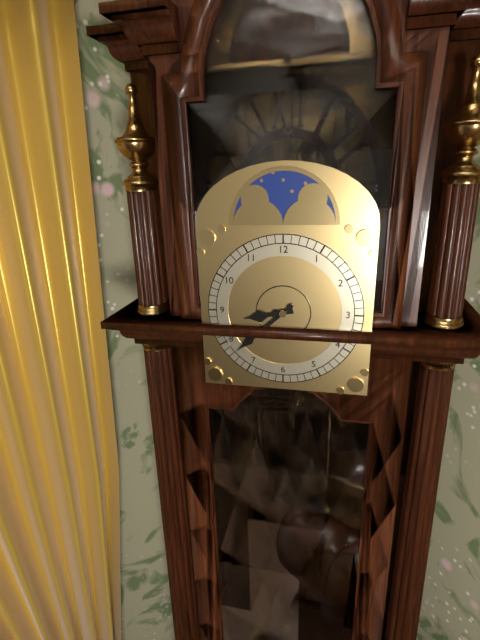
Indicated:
8,38
